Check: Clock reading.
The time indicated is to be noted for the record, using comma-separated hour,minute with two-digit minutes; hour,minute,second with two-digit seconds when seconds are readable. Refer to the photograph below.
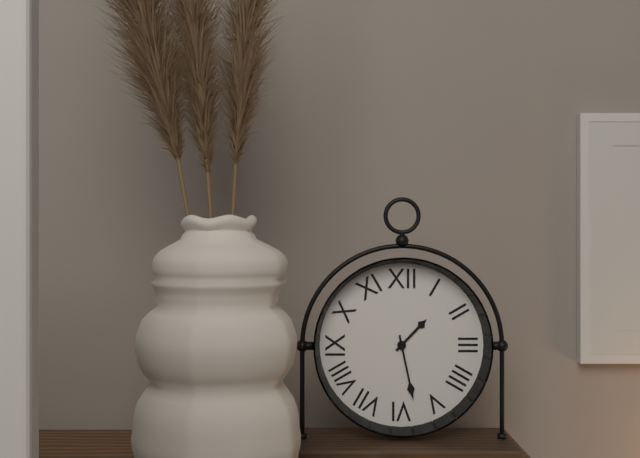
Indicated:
1,28
